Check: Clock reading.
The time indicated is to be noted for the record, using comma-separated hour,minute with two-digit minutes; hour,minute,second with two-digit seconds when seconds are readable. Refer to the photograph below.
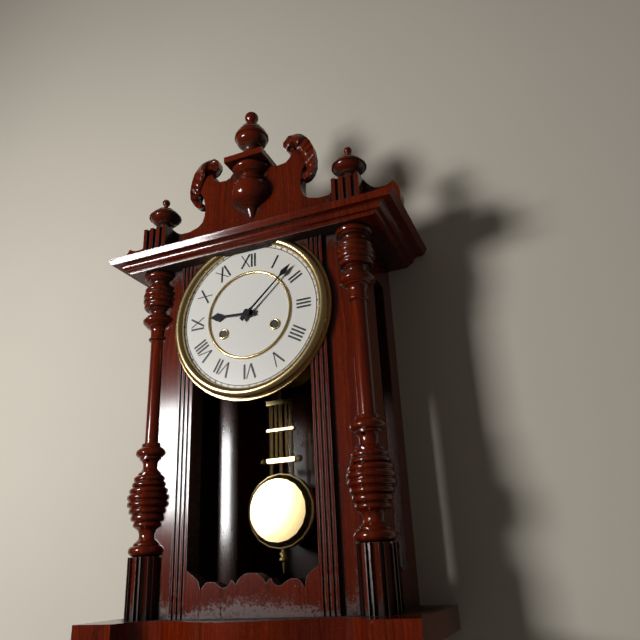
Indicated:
9,08
